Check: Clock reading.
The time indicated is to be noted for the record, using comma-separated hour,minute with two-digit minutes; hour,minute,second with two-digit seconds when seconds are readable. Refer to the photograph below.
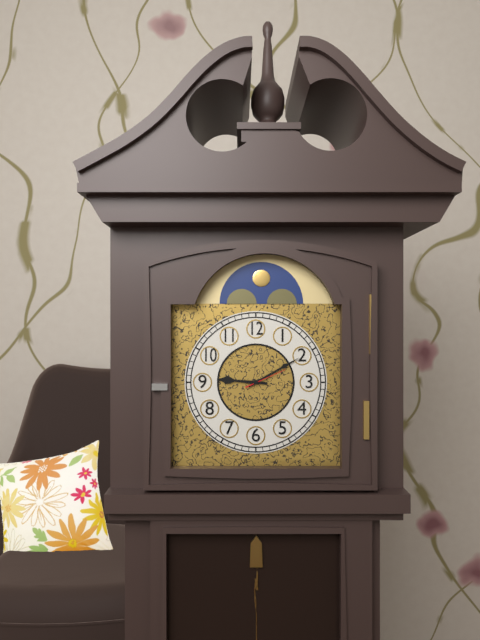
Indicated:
9,10
